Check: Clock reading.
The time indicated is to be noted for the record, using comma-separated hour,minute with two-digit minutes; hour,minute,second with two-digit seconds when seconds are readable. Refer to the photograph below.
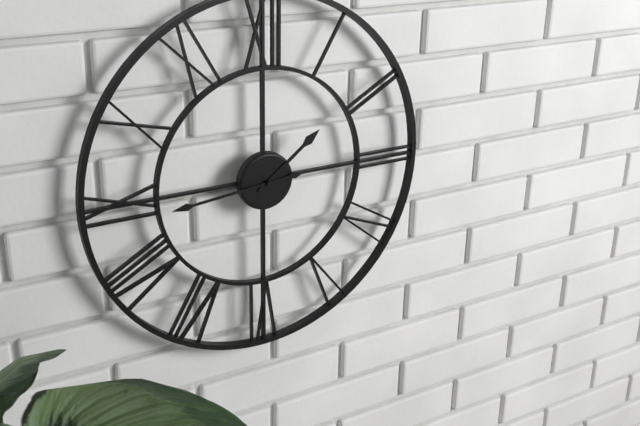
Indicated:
1,44
